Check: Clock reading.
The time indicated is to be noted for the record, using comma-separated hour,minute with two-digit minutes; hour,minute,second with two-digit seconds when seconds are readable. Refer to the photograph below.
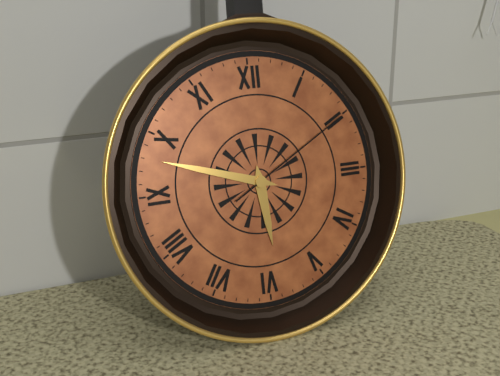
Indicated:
5,48,10
